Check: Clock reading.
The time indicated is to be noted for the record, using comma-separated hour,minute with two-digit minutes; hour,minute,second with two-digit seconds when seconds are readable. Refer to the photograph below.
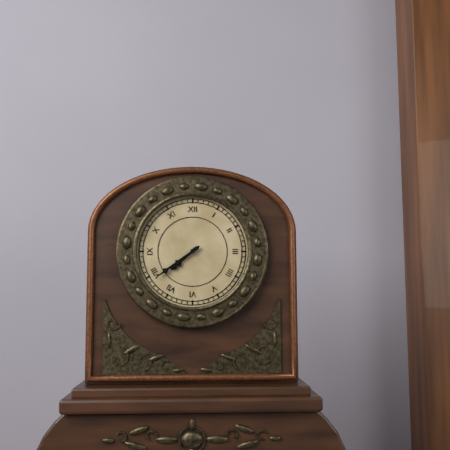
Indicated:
7,39
